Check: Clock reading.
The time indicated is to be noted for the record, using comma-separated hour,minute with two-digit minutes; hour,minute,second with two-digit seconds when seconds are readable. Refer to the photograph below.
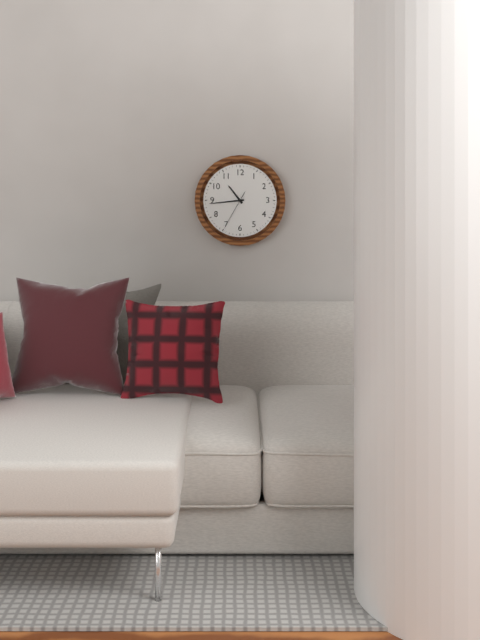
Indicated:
10,44
